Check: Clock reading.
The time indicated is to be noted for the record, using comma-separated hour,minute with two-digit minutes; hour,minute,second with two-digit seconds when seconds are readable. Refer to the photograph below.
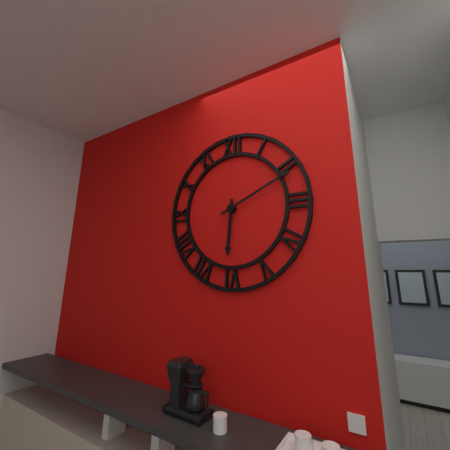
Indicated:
6,11
